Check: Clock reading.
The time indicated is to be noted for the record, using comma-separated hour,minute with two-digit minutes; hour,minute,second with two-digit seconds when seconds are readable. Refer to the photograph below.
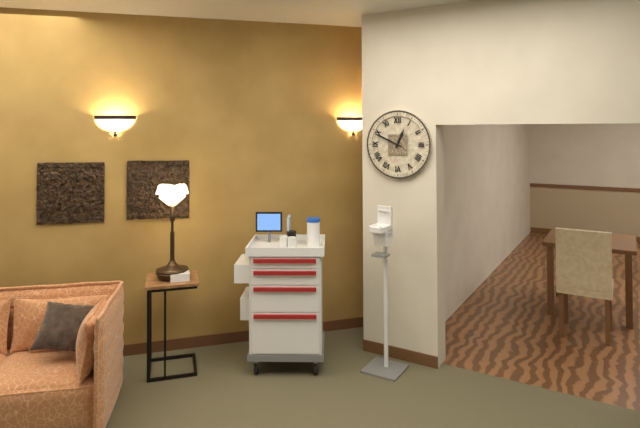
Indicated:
12,49
